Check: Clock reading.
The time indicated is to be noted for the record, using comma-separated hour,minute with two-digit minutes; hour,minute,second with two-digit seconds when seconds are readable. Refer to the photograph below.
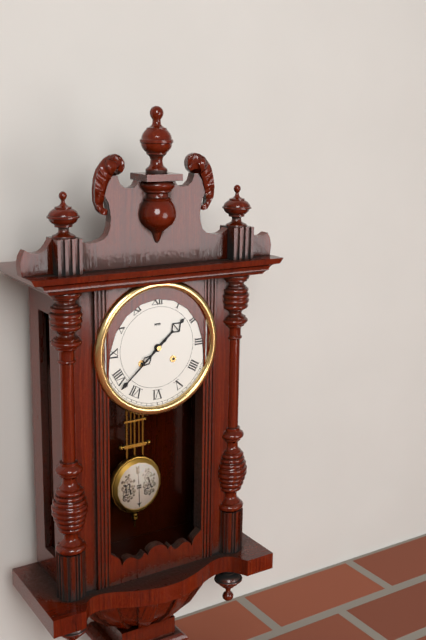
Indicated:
1,38
